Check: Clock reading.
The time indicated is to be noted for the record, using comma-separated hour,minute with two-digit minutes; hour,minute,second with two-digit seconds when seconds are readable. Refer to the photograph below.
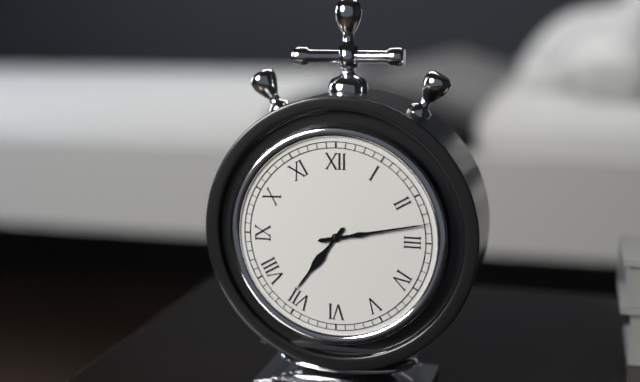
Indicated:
7,13
